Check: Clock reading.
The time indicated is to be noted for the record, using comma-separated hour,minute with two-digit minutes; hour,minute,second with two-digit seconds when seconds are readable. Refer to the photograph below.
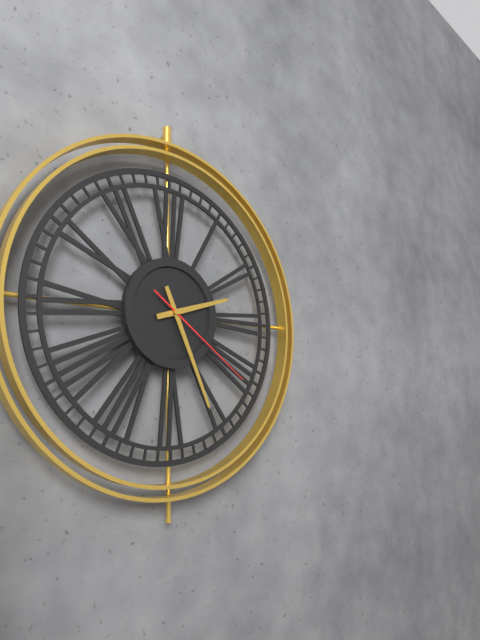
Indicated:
2,26,21
